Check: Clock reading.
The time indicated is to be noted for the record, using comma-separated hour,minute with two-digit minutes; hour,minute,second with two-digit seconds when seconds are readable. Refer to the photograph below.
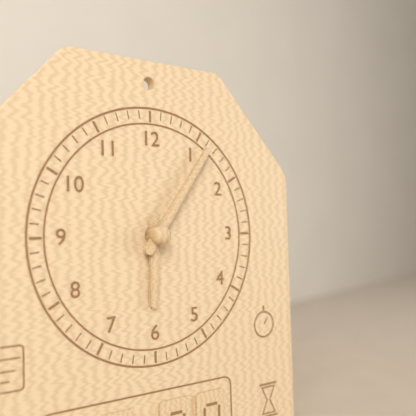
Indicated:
6,06
